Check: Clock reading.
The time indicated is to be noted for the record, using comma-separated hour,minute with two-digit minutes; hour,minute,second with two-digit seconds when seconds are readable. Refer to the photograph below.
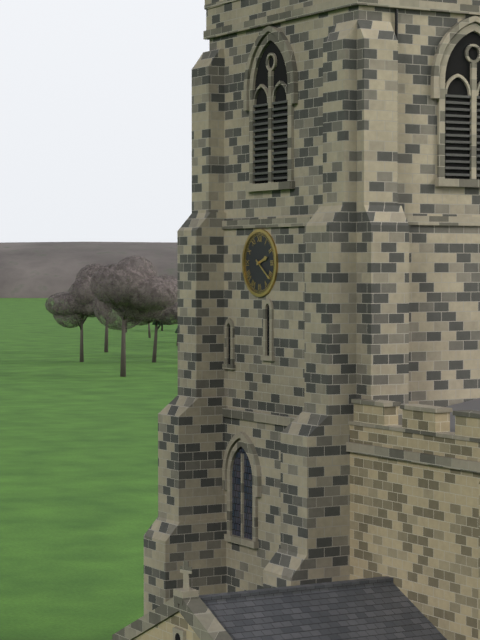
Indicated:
2,21
